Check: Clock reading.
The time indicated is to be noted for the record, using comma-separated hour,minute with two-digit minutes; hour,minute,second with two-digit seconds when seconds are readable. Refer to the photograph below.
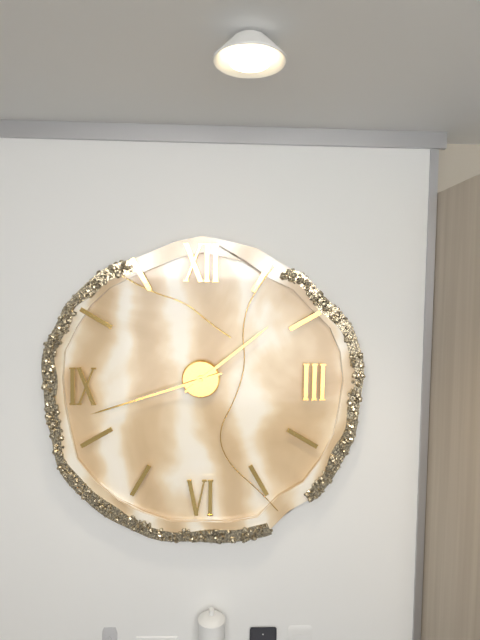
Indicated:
1,42
